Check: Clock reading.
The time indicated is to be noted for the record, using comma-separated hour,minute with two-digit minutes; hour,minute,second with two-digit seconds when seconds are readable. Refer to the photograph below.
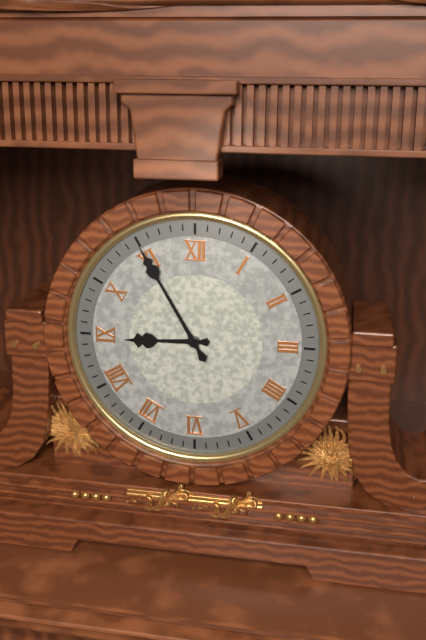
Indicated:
8,55
